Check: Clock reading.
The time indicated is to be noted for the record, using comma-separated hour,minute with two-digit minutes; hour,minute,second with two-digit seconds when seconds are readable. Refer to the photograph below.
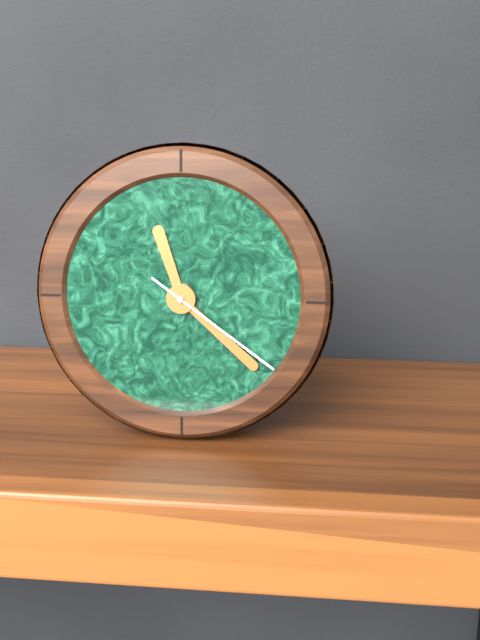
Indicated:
11,22,21
